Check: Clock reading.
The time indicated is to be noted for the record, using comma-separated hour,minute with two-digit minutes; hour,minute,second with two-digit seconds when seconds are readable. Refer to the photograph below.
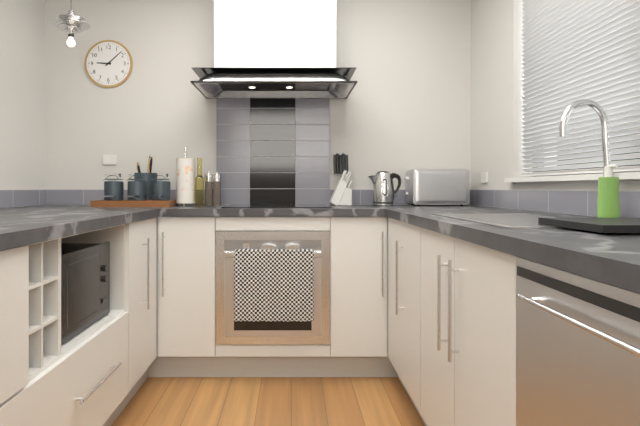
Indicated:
9,08
